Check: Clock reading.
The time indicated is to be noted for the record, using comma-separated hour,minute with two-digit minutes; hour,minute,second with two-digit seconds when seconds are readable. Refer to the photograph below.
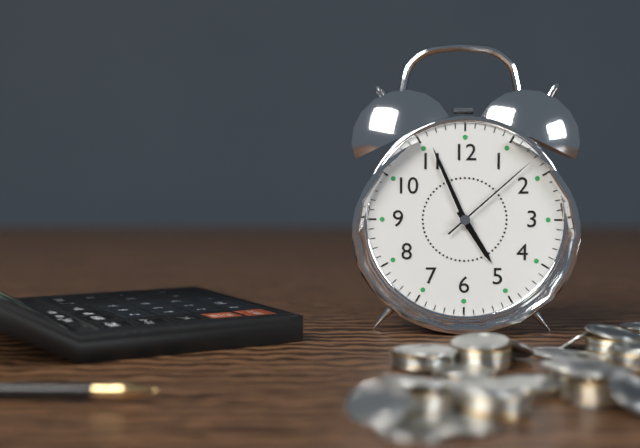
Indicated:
4,56,08
